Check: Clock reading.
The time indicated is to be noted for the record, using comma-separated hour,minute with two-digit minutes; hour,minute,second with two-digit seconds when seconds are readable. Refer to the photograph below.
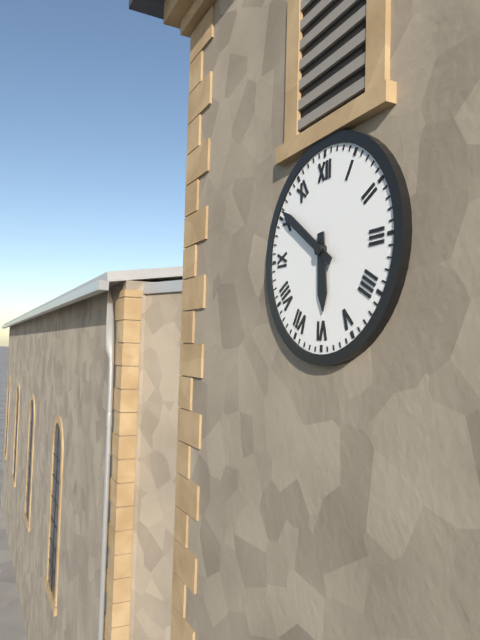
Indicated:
5,51
